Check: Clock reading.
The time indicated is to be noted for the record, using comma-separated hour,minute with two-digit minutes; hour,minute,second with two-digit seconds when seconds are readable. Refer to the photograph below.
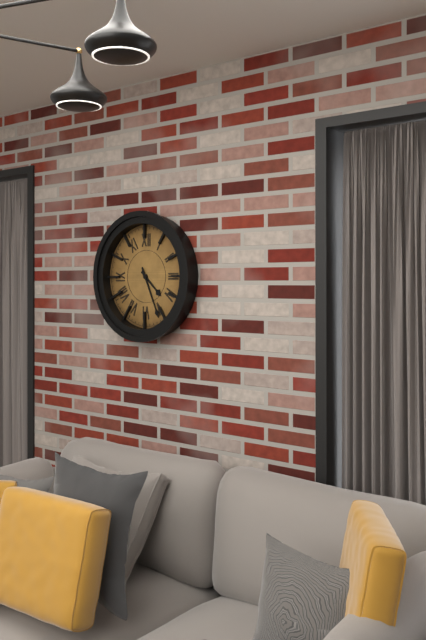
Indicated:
4,26
